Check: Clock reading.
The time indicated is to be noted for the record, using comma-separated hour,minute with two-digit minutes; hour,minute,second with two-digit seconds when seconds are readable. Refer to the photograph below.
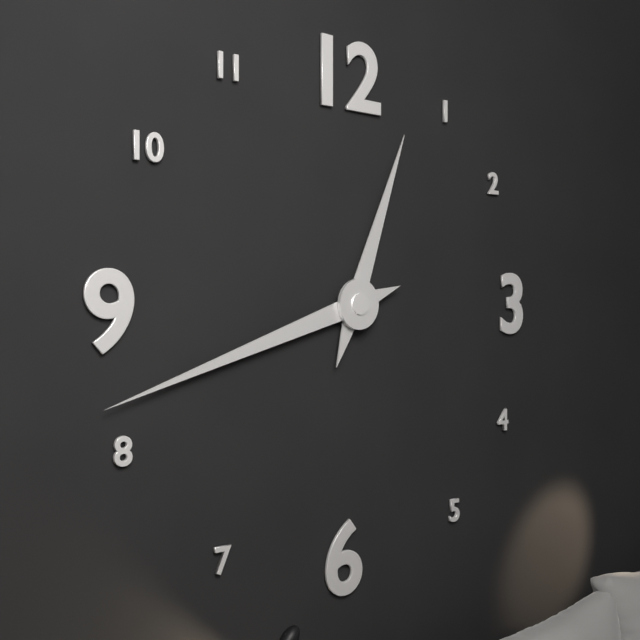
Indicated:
12,42
